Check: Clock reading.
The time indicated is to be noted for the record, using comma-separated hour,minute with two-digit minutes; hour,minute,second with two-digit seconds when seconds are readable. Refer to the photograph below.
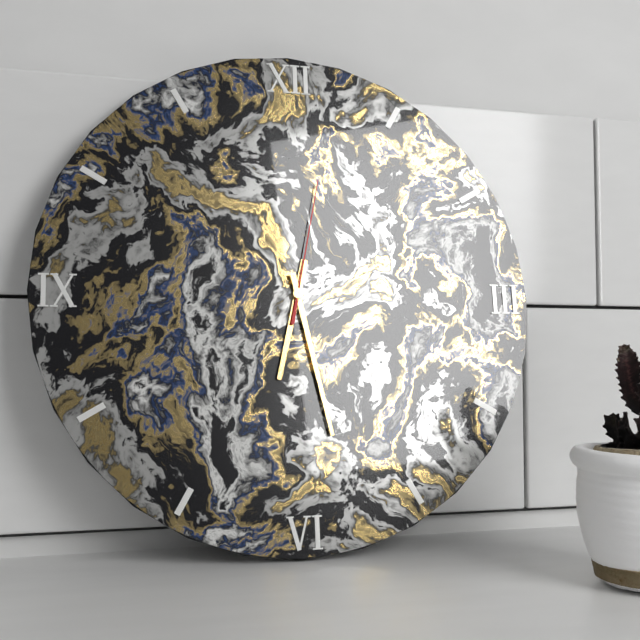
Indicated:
6,28,02
